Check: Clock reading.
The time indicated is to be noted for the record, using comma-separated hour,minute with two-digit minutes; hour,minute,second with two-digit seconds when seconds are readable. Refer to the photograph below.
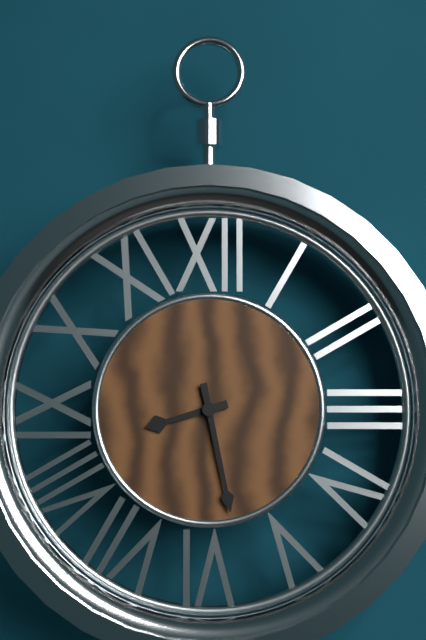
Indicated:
8,28
